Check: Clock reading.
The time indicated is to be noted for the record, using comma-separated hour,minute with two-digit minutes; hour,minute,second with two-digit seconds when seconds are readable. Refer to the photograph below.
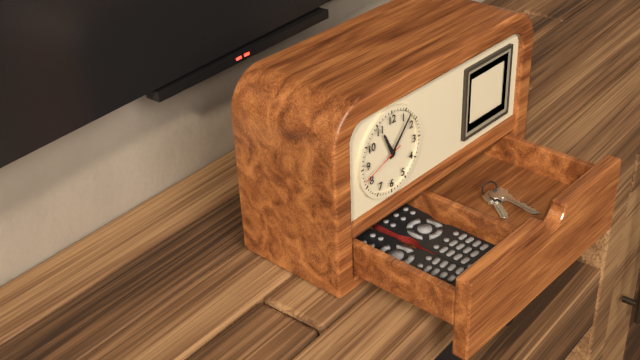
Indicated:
11,07,42
